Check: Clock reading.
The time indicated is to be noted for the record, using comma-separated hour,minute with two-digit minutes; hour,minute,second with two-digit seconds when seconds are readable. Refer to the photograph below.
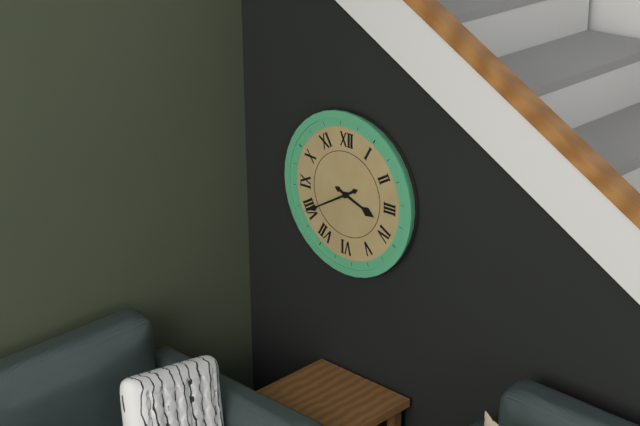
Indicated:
3,40
